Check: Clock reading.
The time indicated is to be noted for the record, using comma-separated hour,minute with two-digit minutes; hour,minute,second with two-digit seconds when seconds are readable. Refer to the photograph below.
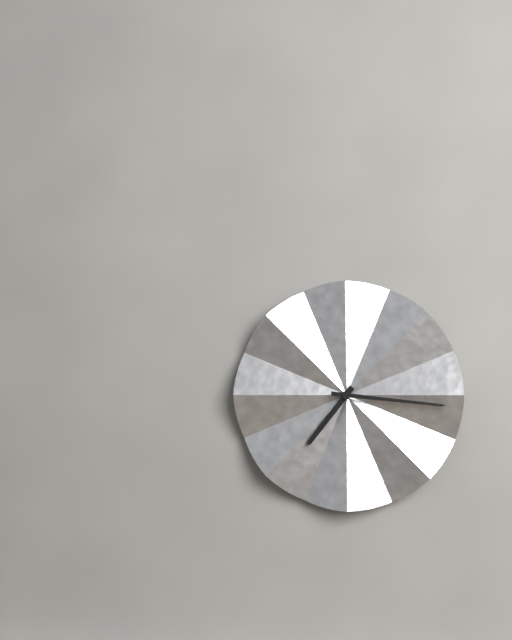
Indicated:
7,16
